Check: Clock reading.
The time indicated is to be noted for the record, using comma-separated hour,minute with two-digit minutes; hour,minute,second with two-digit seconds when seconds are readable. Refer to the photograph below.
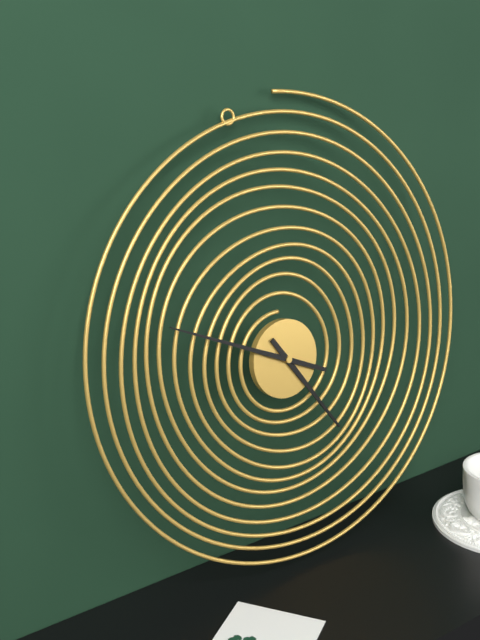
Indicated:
4,49
